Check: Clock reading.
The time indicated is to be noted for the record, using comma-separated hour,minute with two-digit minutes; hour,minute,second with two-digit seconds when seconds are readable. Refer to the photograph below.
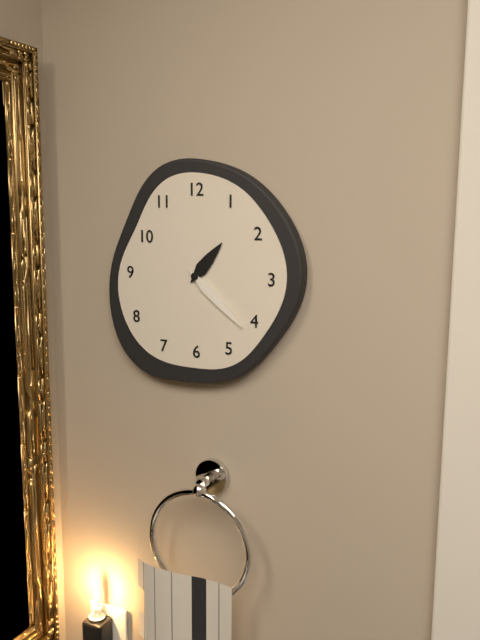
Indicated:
1,22
